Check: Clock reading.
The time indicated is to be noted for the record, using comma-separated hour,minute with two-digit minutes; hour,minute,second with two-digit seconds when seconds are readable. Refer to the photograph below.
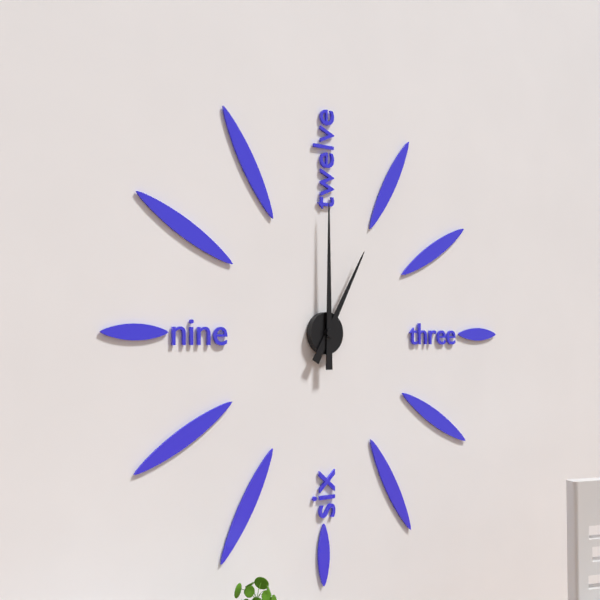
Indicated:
1,00
